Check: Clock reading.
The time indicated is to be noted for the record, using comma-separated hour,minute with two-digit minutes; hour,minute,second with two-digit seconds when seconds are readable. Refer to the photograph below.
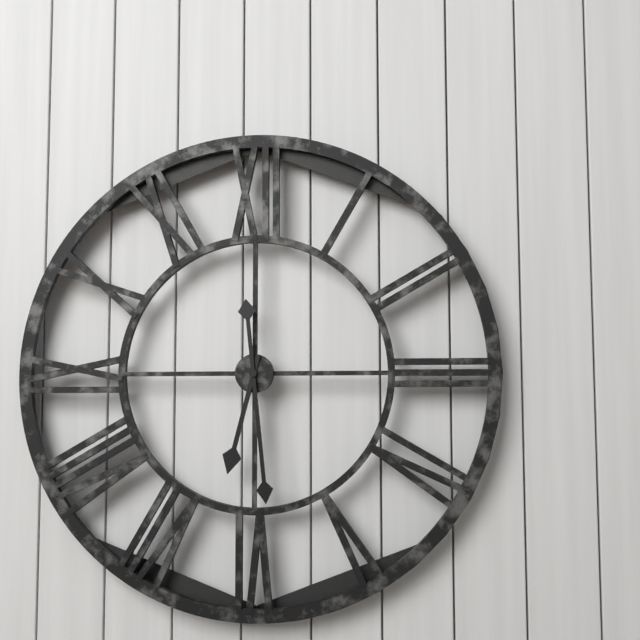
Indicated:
6,29
